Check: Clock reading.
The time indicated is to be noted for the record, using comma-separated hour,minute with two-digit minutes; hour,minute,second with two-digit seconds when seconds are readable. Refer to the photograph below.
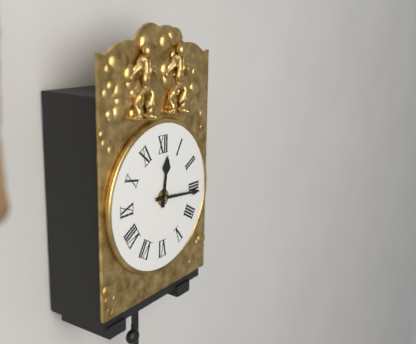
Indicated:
12,16
